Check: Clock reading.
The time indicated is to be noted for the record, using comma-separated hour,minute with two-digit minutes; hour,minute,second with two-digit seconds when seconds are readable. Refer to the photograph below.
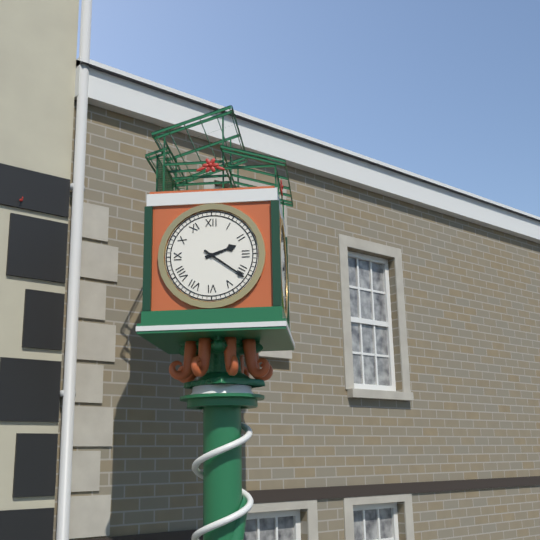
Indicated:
2,21
